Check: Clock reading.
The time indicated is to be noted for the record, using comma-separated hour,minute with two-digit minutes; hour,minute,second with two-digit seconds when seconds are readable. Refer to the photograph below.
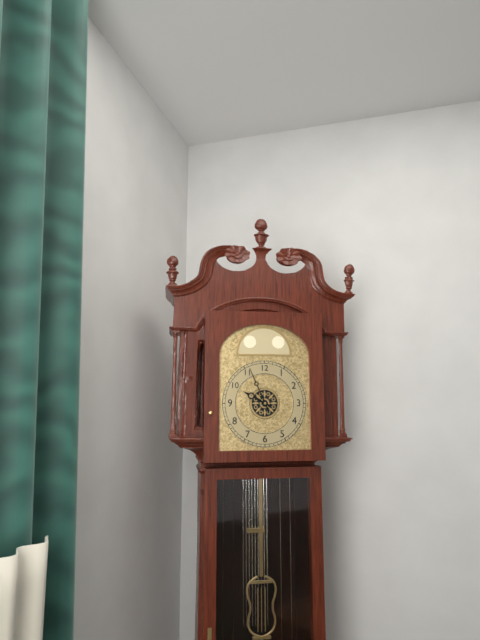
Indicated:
9,56
